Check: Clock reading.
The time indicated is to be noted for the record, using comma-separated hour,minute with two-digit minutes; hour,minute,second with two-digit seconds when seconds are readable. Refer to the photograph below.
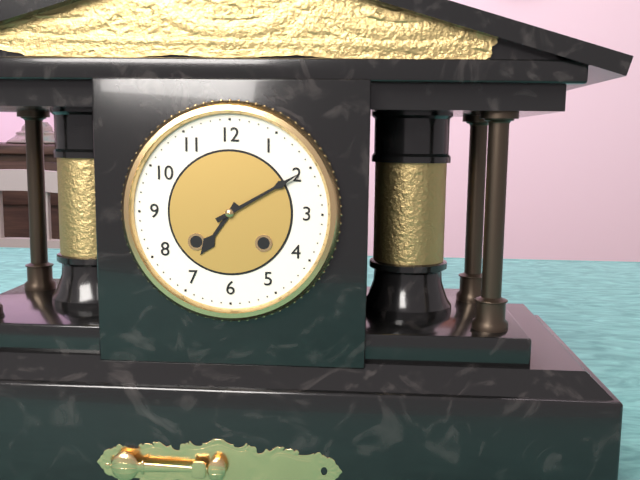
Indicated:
7,10
